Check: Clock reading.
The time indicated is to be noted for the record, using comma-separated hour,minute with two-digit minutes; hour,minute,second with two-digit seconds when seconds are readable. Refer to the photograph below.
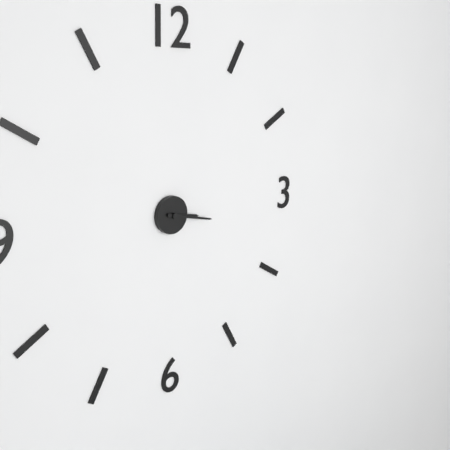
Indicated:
3,17
